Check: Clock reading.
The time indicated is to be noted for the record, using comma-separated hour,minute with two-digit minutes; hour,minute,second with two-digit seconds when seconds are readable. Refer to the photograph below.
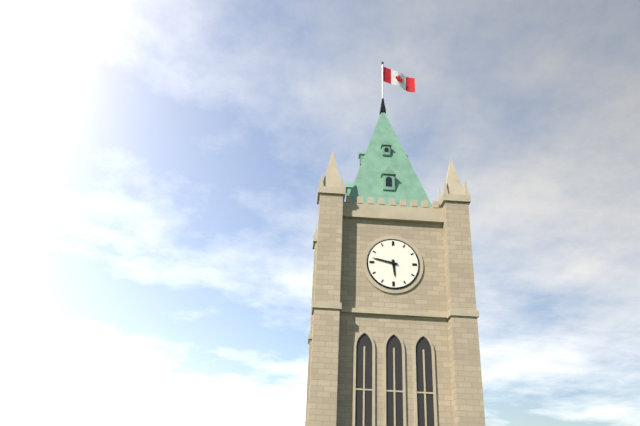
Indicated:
5,47
